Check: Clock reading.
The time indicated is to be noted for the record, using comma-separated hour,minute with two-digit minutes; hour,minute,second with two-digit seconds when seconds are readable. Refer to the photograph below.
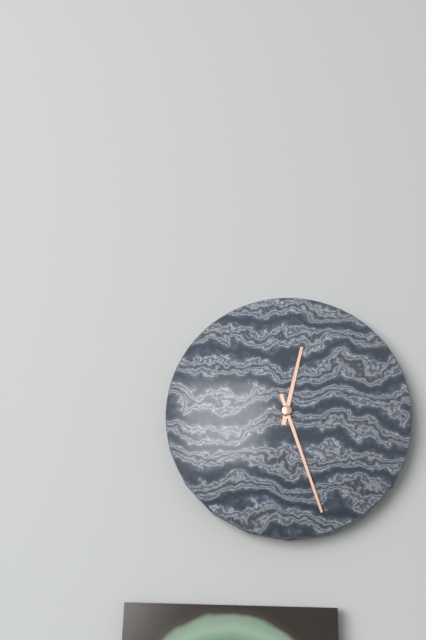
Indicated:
12,27
